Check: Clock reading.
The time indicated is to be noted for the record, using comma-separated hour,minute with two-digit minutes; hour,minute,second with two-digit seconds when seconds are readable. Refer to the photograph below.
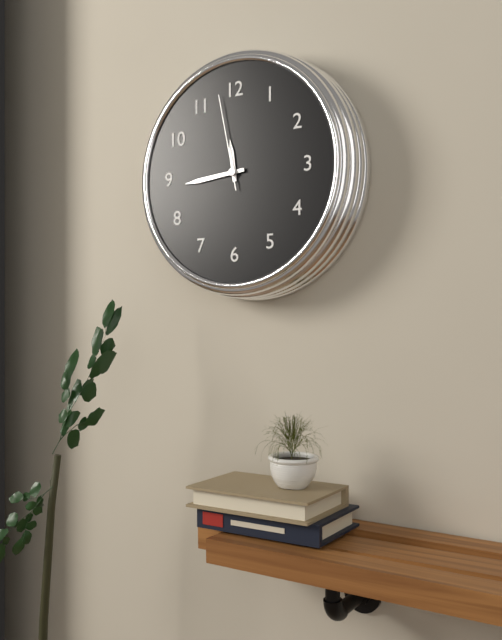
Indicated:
11,44,58
